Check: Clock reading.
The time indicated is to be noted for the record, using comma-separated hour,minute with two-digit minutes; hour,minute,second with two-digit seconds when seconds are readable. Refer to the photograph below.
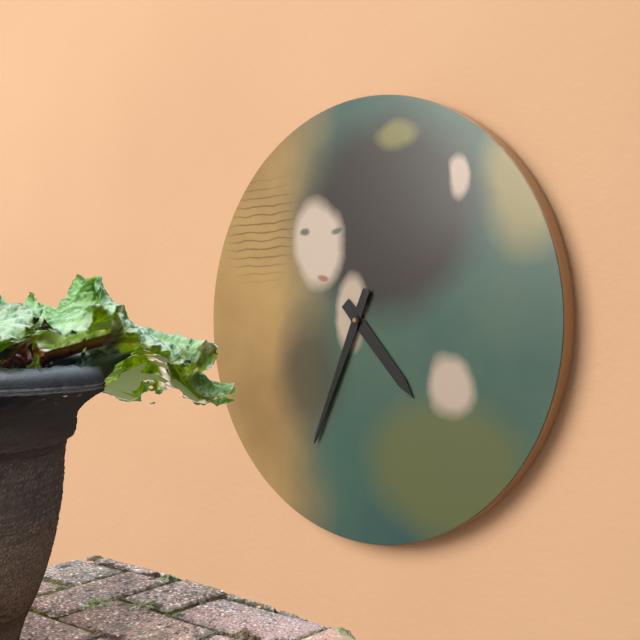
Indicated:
4,34
